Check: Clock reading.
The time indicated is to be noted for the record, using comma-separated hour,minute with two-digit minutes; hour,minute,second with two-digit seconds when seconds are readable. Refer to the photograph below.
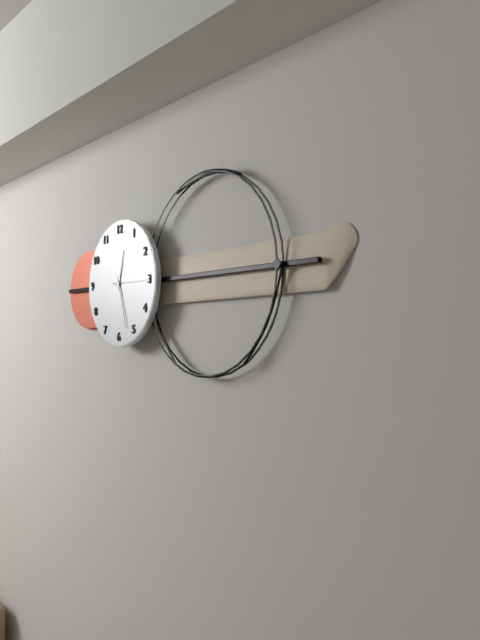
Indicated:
12,27
